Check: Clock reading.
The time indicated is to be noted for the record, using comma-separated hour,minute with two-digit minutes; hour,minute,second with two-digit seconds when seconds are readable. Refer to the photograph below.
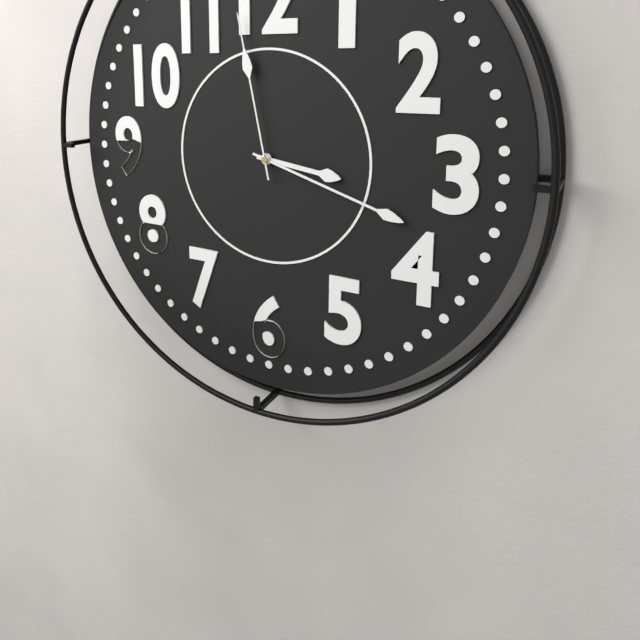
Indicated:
3,18,58
